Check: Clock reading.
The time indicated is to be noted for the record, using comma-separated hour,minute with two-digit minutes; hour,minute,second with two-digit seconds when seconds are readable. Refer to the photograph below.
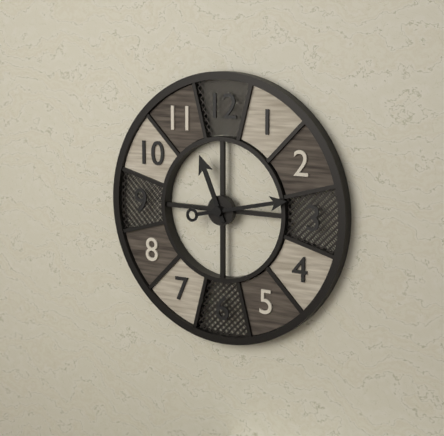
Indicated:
11,13
